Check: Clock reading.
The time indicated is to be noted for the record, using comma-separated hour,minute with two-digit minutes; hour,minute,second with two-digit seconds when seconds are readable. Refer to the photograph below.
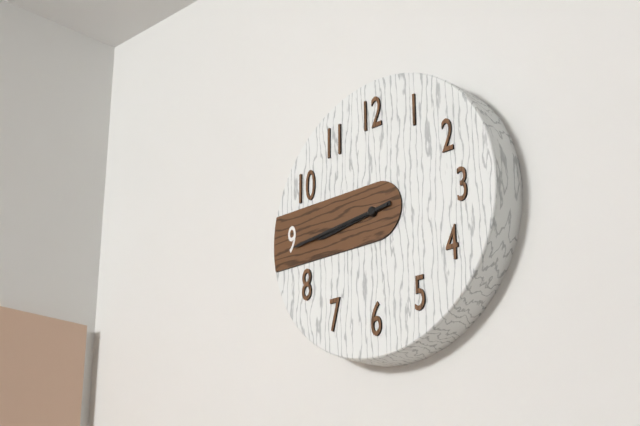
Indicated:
8,44
